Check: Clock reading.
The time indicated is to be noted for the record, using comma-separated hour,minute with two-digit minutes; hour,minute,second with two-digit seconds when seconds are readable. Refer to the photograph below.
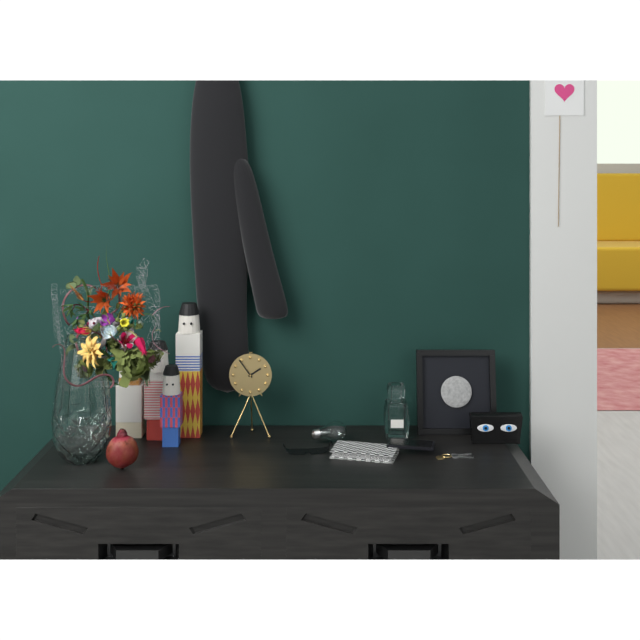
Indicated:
1,54
